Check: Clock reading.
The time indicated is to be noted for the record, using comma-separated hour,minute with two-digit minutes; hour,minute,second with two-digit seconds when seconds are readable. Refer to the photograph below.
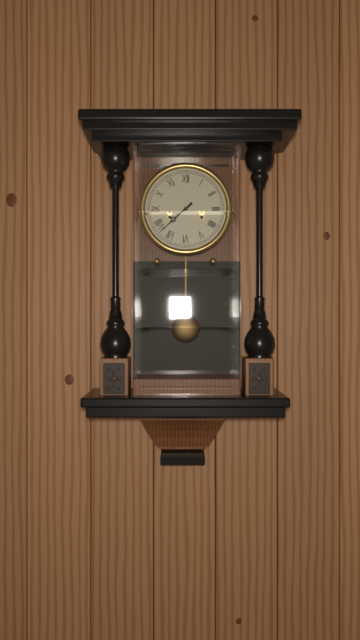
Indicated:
7,38
